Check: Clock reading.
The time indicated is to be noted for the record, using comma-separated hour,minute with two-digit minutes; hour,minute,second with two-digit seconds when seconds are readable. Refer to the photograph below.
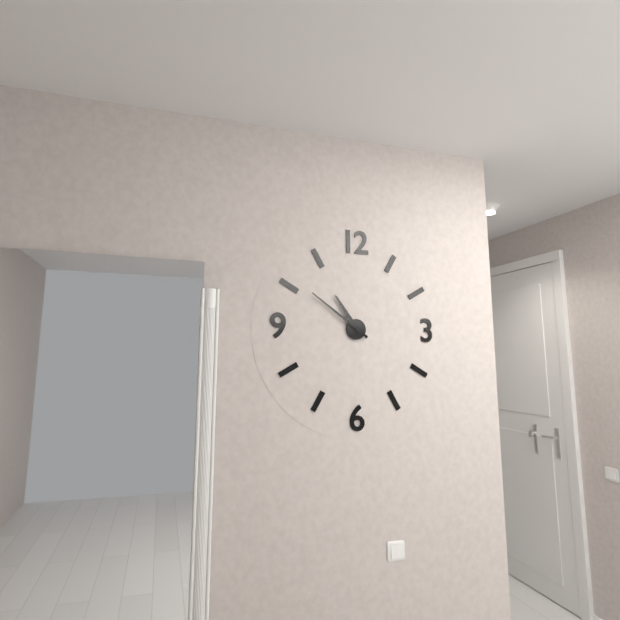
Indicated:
10,51
